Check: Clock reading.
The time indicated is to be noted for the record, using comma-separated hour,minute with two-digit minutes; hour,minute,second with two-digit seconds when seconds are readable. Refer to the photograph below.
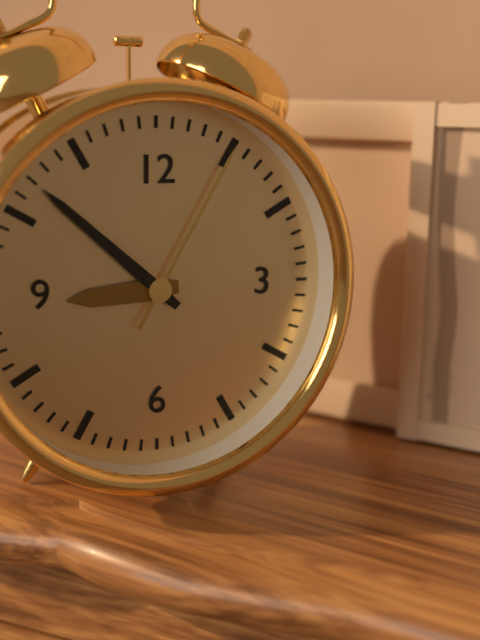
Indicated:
8,52,05
